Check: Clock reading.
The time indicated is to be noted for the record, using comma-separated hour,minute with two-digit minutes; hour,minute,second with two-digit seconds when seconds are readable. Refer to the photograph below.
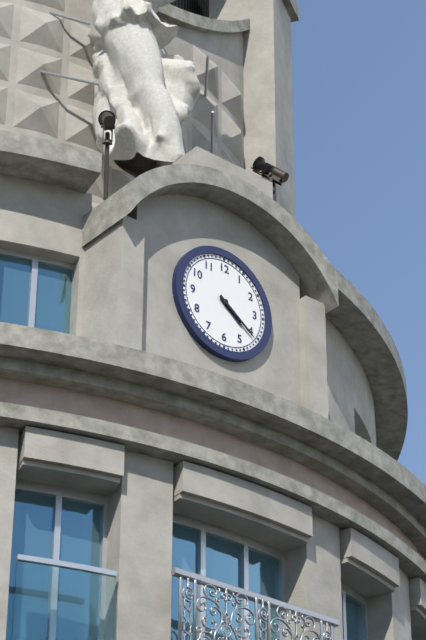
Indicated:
4,21
